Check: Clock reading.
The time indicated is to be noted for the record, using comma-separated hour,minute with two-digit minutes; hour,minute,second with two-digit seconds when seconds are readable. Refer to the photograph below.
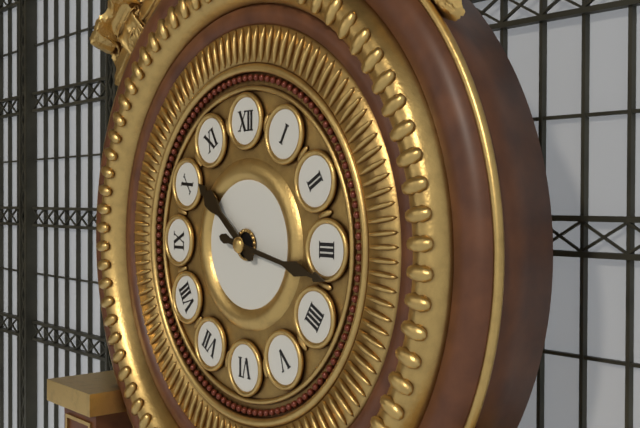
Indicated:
10,17
